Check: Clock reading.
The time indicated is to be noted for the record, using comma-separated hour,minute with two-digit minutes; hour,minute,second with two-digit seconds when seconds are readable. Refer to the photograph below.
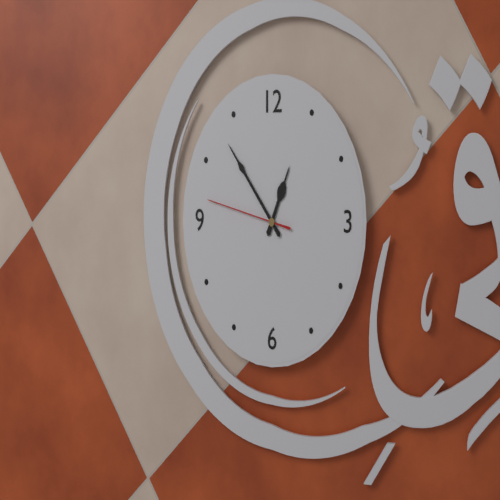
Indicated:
12,53,47
